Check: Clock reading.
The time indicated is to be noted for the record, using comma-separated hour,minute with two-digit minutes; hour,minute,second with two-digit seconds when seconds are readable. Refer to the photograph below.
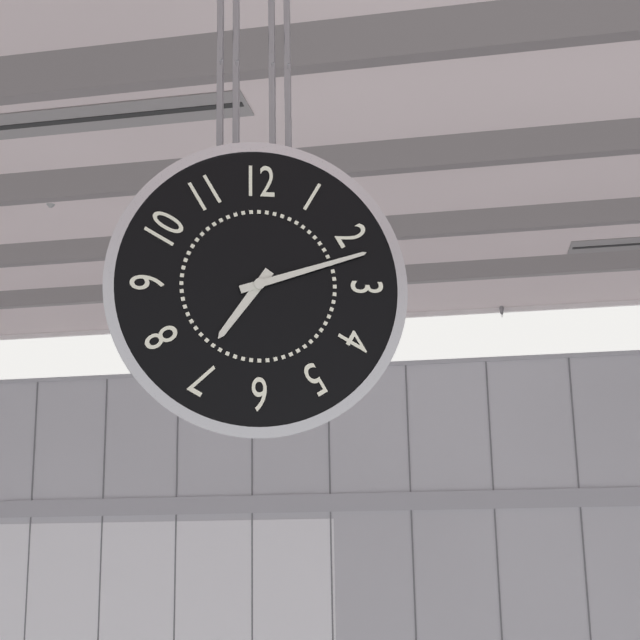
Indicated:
7,12
